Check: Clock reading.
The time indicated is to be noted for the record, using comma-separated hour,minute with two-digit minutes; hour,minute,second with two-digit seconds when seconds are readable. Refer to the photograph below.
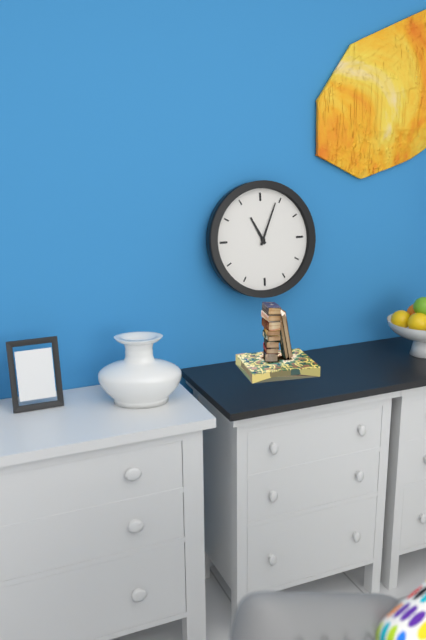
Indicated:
11,04
